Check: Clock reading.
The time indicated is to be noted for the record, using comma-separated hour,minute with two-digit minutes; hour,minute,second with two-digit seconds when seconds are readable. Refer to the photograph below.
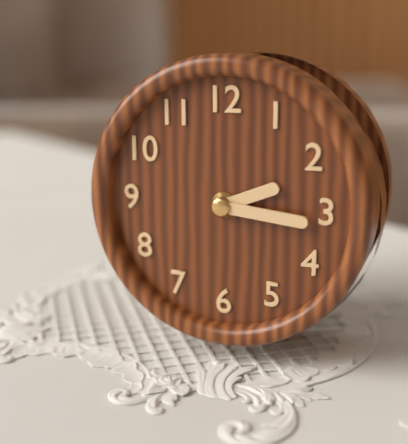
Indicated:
2,16
